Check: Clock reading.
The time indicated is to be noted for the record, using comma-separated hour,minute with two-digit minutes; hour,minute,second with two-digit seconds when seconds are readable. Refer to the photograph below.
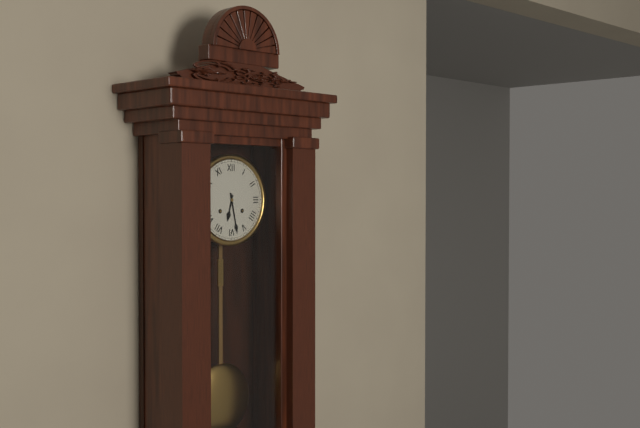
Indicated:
6,28
